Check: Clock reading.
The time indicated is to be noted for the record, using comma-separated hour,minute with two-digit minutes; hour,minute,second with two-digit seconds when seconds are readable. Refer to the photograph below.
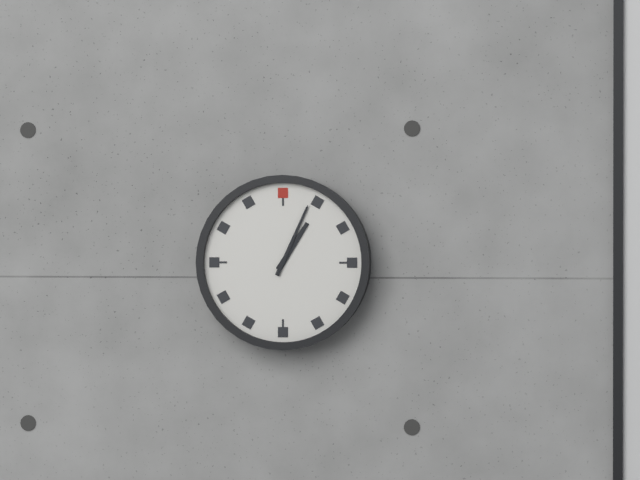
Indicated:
1,04
